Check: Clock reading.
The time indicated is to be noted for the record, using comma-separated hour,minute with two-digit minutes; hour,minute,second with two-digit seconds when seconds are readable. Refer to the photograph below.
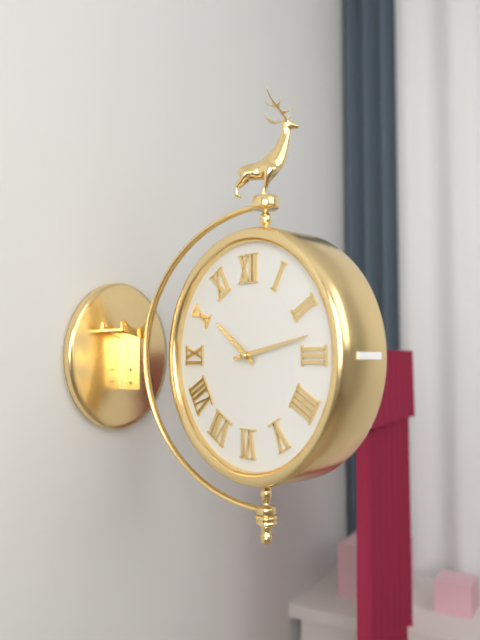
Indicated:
10,13
